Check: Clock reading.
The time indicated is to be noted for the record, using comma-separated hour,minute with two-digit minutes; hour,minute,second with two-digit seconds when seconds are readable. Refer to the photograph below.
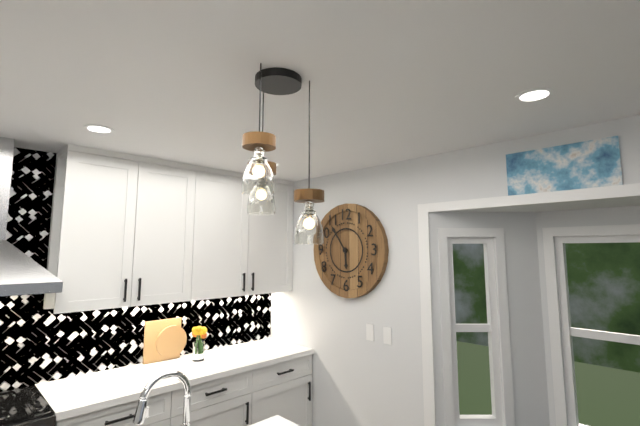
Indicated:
5,54
